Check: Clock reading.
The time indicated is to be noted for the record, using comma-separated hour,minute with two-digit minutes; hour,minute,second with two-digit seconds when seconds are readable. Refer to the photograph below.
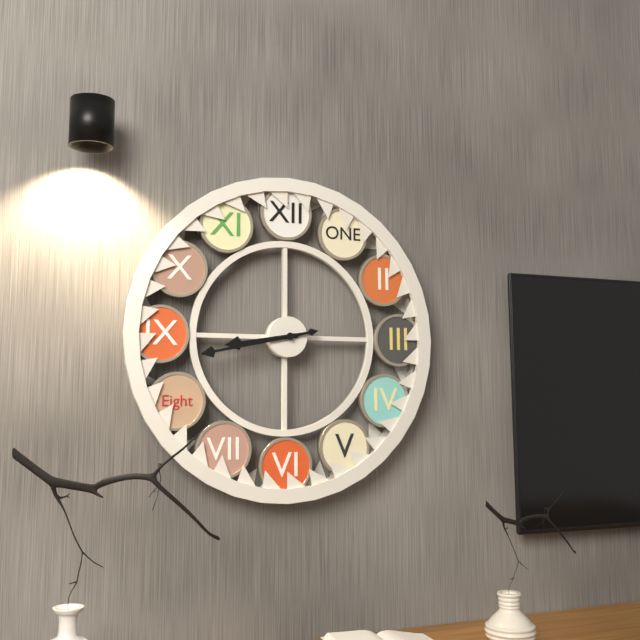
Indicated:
8,43
